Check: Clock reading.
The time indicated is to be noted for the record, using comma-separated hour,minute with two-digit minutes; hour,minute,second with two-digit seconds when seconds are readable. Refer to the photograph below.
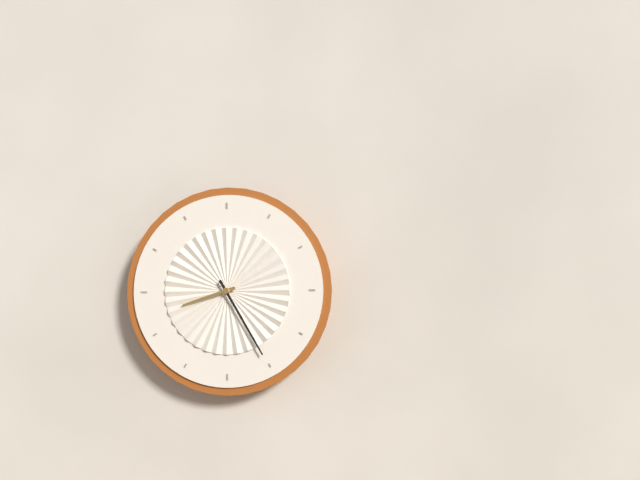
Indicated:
8,25
